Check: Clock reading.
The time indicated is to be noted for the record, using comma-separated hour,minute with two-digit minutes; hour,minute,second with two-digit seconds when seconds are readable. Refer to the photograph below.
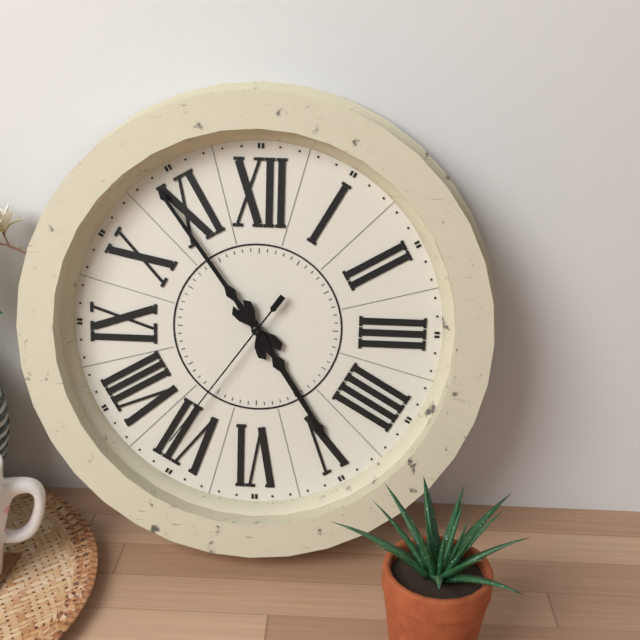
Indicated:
4,54,36
